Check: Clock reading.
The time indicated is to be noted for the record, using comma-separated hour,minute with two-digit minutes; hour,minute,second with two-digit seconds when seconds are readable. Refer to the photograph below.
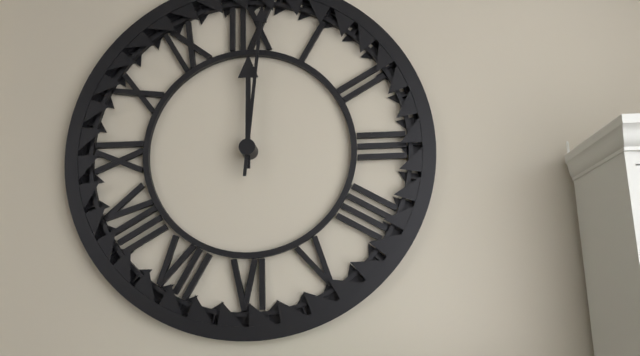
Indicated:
12,01
